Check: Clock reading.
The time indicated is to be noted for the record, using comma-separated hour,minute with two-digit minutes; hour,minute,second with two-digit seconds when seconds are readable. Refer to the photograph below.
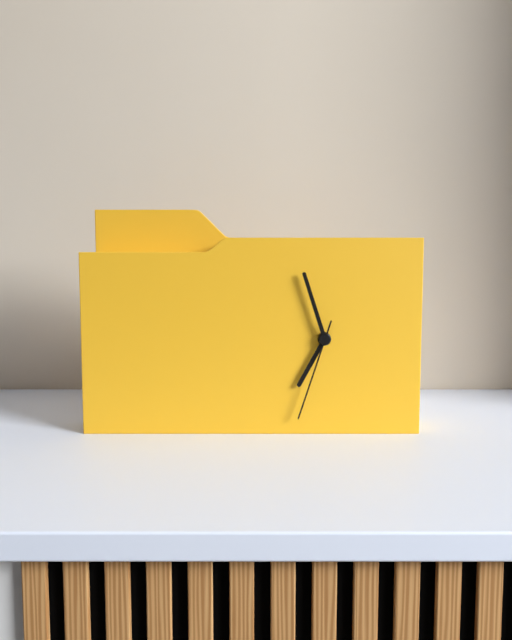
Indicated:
6,57,33
